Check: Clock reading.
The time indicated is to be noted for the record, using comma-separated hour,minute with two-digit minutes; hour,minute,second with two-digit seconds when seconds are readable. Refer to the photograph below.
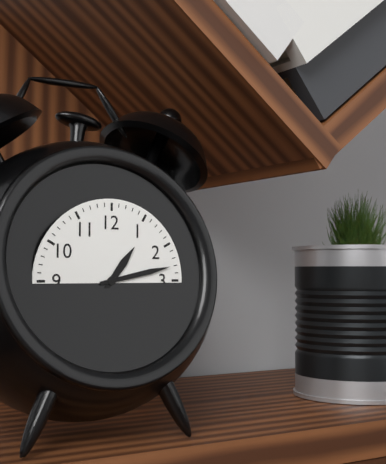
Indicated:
1,13
